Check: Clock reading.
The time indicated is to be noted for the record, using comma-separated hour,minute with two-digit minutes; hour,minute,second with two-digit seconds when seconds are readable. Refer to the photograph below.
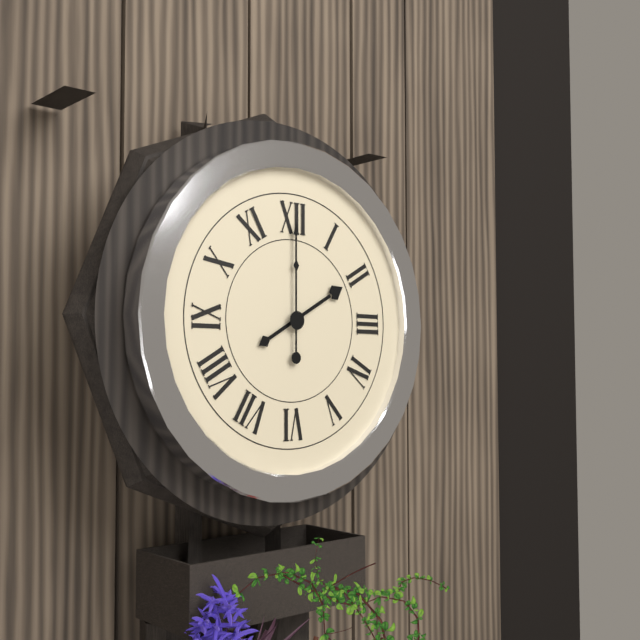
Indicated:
2,00
